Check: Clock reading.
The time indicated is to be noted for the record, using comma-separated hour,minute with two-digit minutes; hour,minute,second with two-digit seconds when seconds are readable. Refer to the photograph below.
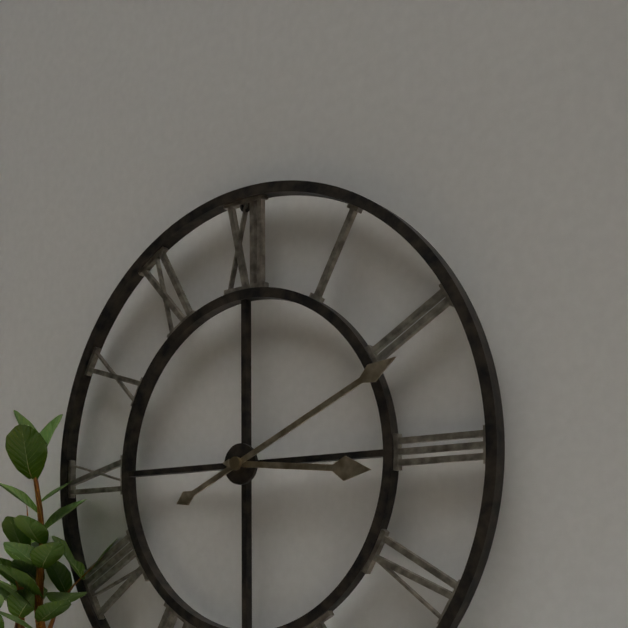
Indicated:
3,11
